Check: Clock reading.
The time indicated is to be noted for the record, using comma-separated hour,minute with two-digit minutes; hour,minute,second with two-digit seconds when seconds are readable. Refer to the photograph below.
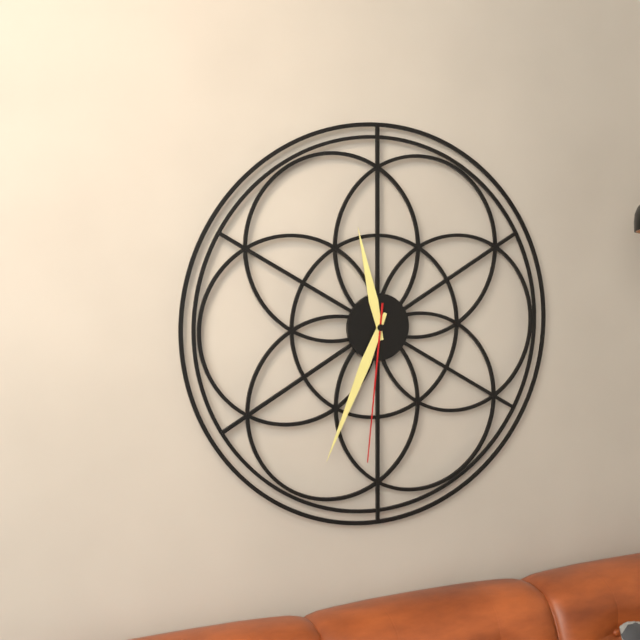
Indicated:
11,34,31
